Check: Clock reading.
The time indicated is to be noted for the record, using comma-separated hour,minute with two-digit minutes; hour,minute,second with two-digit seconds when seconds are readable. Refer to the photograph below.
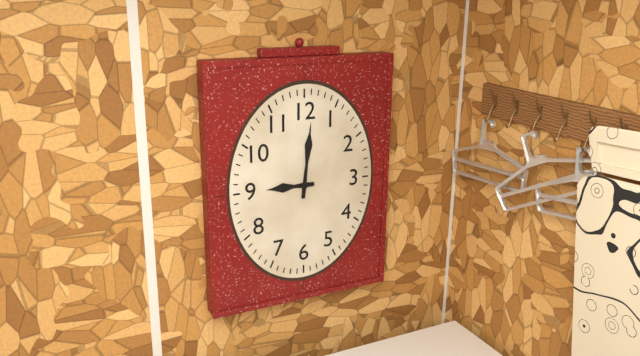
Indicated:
9,01
